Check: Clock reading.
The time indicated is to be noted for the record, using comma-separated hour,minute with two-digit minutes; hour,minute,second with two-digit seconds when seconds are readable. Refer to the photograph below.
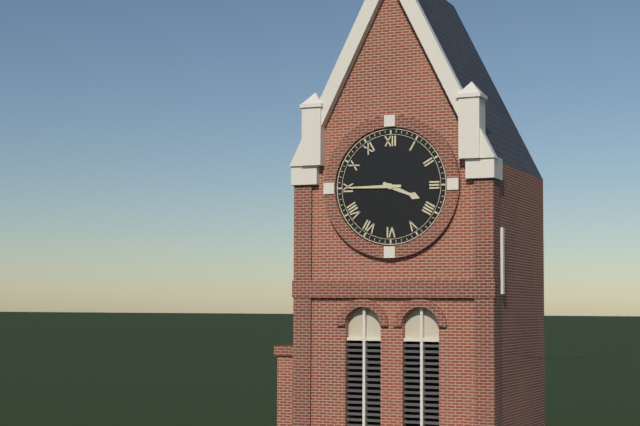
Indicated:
3,45
